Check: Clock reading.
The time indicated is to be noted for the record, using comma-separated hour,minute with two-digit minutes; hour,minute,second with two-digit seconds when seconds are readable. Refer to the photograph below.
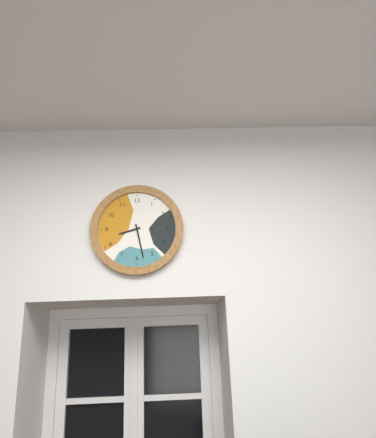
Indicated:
8,28
